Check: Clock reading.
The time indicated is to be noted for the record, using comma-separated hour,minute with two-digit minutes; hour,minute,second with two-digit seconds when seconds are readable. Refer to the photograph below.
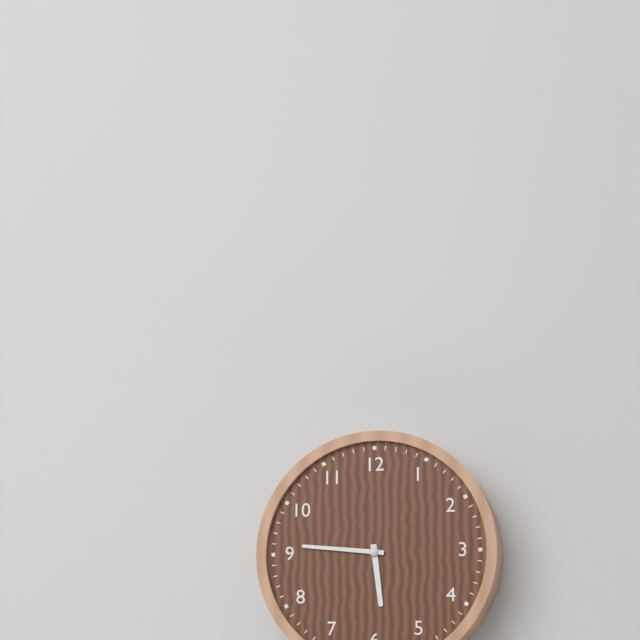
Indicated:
5,46
